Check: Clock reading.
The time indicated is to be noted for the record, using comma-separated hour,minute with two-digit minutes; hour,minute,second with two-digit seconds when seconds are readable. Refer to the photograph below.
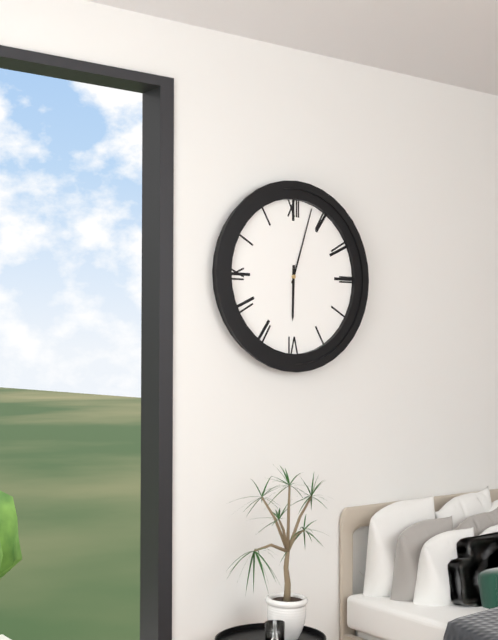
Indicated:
6,03
